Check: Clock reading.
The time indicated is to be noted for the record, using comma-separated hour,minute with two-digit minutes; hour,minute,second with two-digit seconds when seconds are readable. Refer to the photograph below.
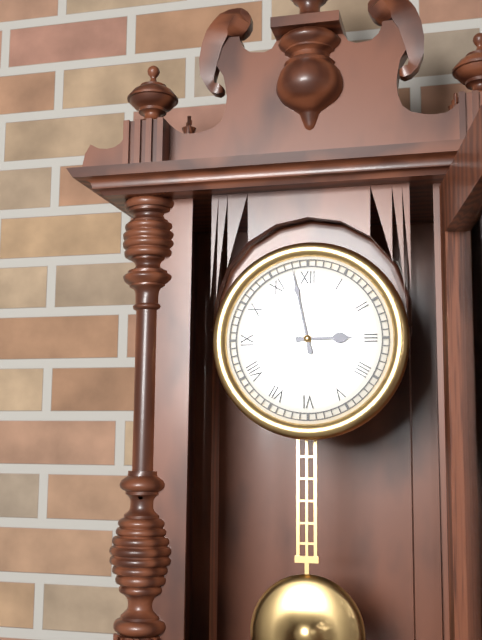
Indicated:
2,58
